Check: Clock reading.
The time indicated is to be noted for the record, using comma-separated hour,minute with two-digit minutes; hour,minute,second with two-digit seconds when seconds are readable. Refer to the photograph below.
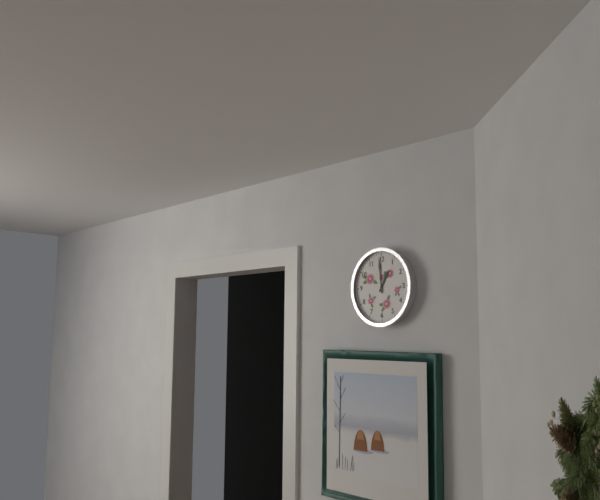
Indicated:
12,59
